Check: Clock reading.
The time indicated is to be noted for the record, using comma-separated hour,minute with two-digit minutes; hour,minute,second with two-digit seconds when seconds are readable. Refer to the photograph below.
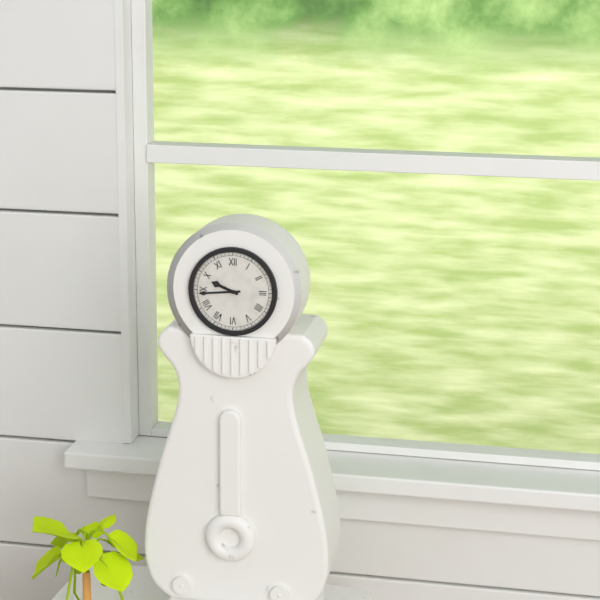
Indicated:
9,44
